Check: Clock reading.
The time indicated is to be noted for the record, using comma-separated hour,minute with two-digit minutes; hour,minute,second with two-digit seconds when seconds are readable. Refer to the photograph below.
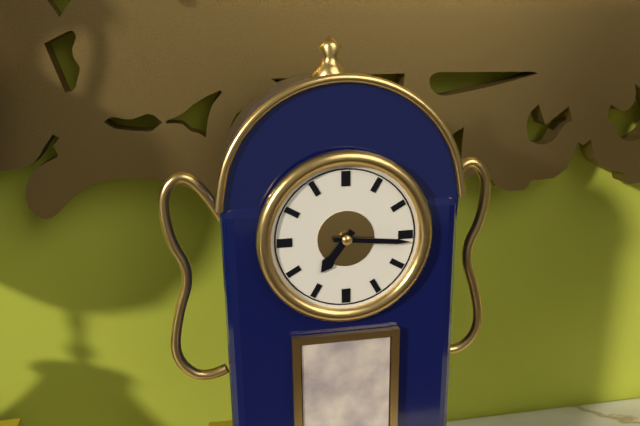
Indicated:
7,16
